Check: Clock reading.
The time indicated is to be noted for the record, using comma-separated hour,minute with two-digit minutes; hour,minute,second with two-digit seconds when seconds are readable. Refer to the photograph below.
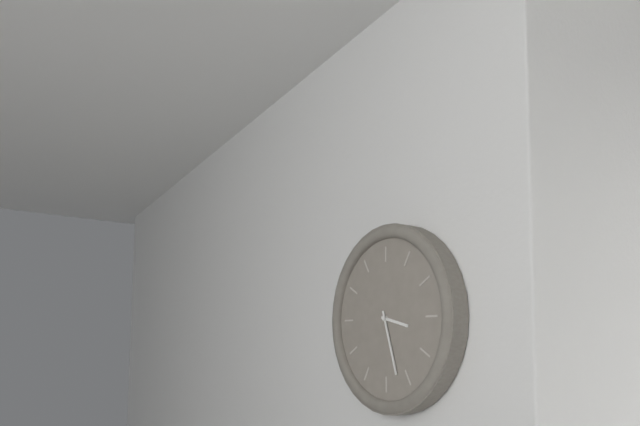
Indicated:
3,27
